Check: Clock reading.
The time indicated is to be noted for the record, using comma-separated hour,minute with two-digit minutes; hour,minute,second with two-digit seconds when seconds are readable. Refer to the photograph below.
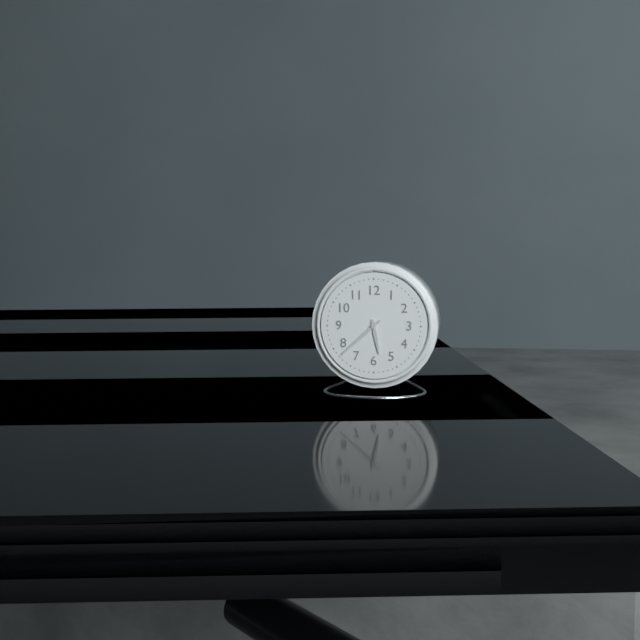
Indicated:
5,38
